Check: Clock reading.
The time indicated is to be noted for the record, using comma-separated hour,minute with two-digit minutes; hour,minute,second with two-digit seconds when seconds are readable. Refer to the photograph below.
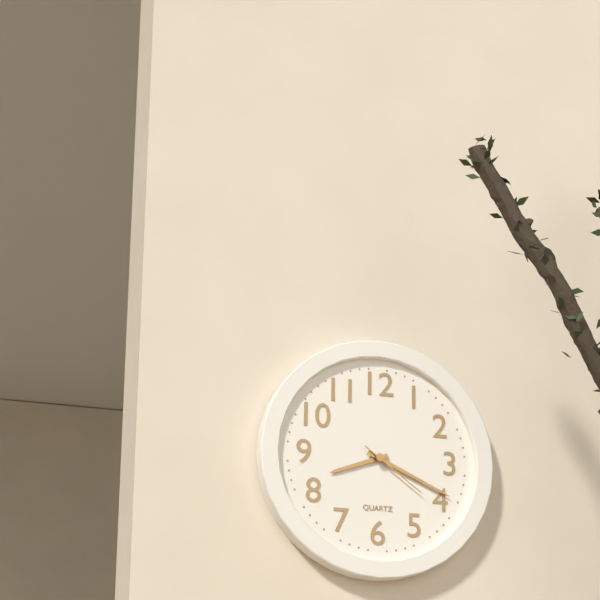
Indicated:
8,19,21
